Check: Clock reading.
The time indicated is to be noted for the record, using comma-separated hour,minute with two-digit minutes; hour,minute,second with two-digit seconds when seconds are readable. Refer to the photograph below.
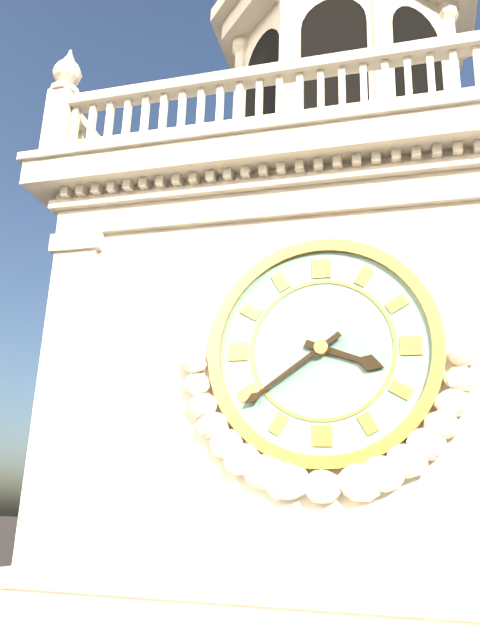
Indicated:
3,39
